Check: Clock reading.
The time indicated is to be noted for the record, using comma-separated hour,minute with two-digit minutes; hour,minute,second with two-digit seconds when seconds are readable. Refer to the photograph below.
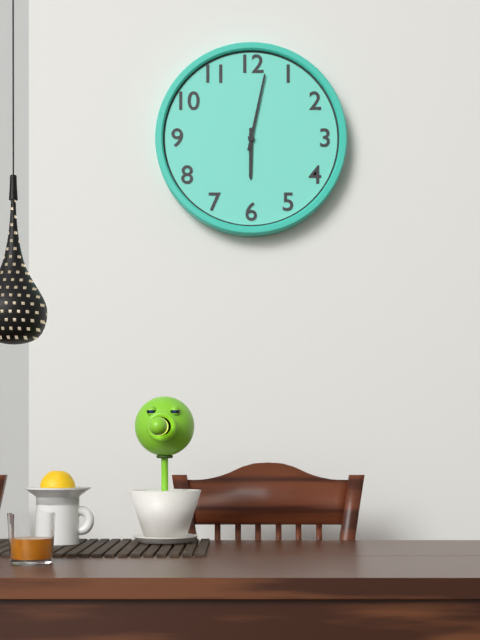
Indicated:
6,02
